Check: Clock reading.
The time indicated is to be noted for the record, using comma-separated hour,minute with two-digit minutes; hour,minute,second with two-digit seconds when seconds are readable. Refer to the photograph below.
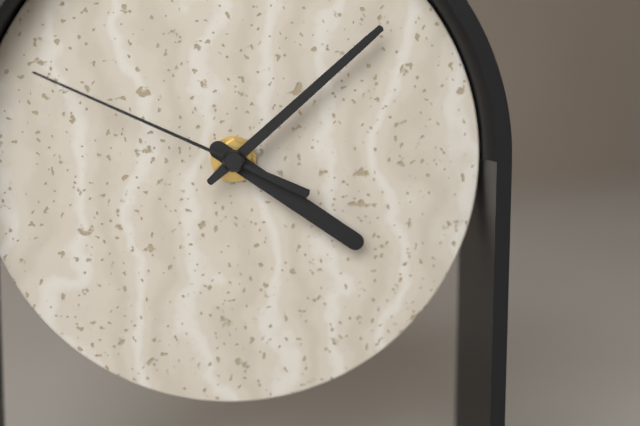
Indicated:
4,08,49
